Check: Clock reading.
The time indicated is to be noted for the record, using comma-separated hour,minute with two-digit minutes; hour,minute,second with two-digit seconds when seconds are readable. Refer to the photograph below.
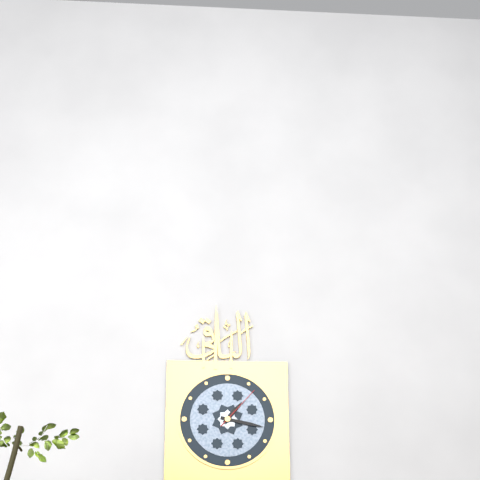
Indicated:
1,17
